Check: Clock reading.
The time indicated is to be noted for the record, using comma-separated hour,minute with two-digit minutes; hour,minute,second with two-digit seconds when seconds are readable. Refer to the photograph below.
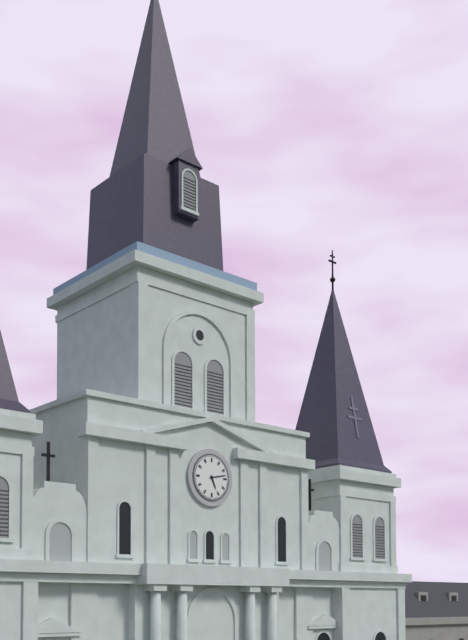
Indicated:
5,13
